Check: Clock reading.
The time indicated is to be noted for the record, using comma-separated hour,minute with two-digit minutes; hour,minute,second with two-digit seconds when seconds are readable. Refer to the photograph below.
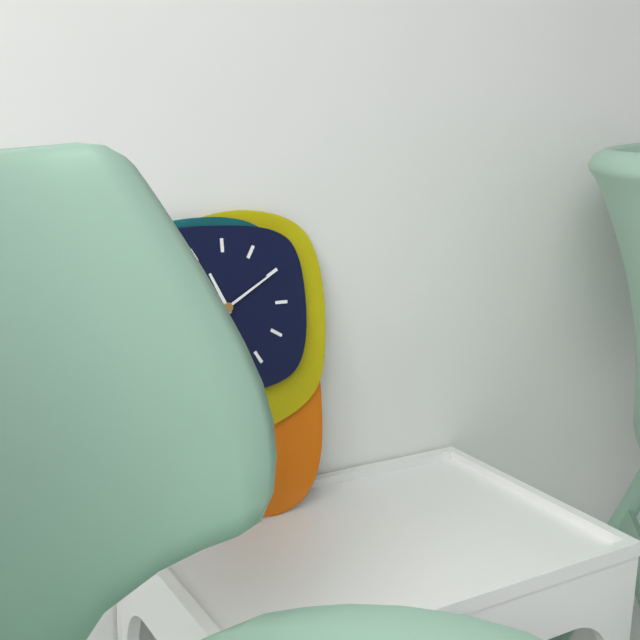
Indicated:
11,10
